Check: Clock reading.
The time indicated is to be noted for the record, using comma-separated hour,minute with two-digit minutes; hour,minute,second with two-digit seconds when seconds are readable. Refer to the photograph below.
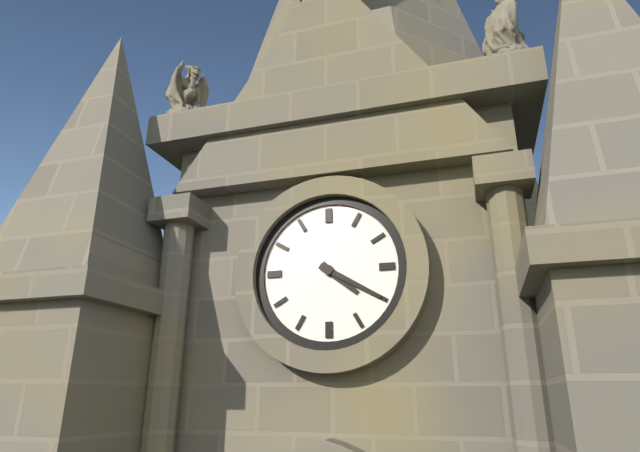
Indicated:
4,20
